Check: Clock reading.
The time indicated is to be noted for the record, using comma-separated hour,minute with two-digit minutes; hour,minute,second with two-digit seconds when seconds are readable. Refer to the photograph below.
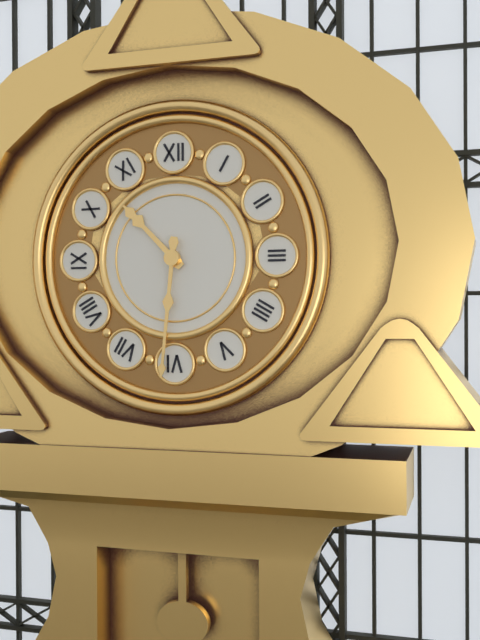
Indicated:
10,31
